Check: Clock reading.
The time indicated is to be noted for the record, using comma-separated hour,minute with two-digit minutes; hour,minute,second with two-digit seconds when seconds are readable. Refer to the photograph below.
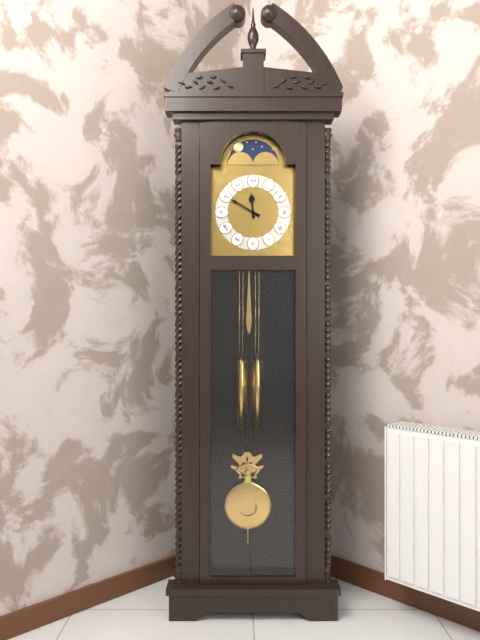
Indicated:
11,50
